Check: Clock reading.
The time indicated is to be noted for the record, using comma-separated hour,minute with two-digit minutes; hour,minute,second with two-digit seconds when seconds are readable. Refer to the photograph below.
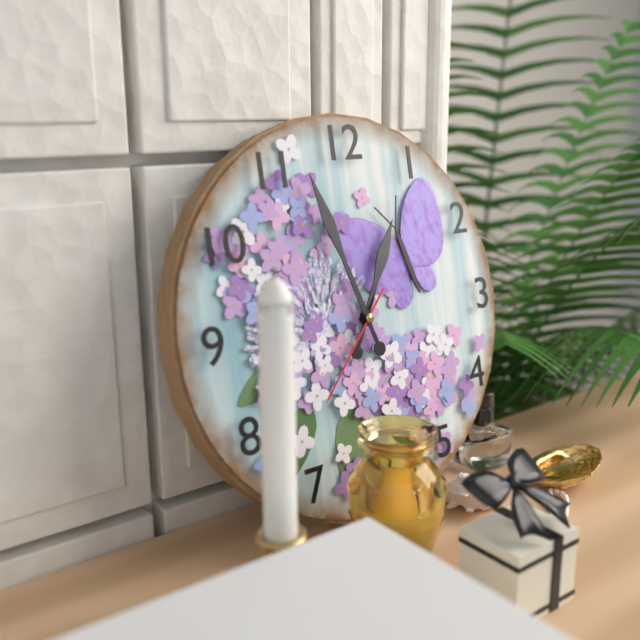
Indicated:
12,57,37
